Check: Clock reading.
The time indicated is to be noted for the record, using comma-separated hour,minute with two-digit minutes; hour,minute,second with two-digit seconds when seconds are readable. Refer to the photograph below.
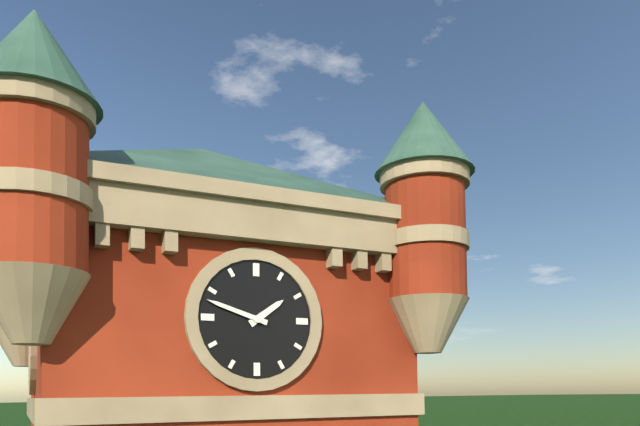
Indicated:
1,48
